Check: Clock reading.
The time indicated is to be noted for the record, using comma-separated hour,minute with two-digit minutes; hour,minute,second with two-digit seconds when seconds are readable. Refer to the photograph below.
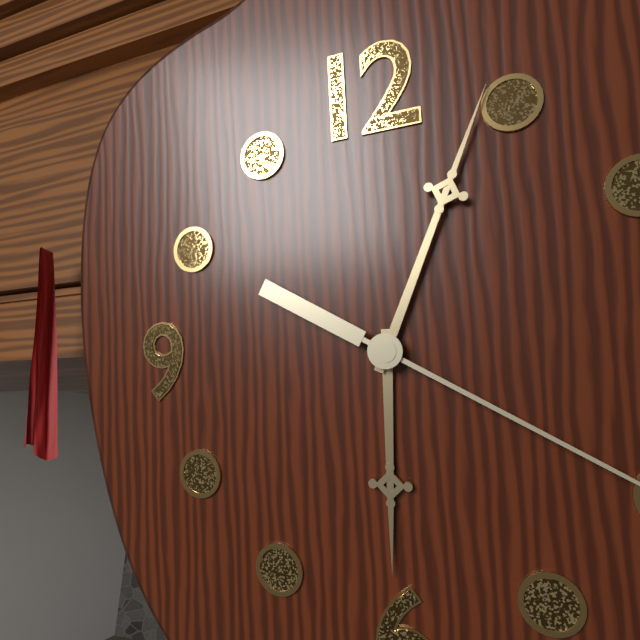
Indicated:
6,04
